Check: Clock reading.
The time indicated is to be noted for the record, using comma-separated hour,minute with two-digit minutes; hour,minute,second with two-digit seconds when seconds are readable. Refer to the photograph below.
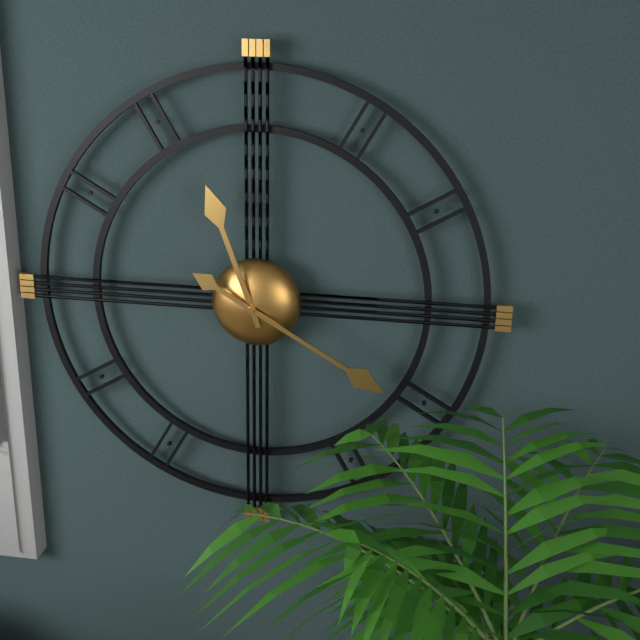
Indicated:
11,20
